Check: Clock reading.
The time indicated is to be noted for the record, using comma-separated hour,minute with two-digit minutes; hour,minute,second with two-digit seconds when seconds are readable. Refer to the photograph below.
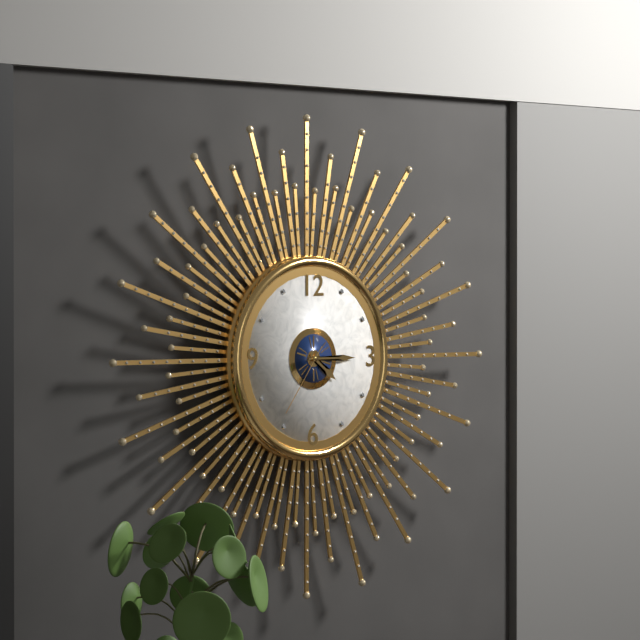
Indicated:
4,15,36
